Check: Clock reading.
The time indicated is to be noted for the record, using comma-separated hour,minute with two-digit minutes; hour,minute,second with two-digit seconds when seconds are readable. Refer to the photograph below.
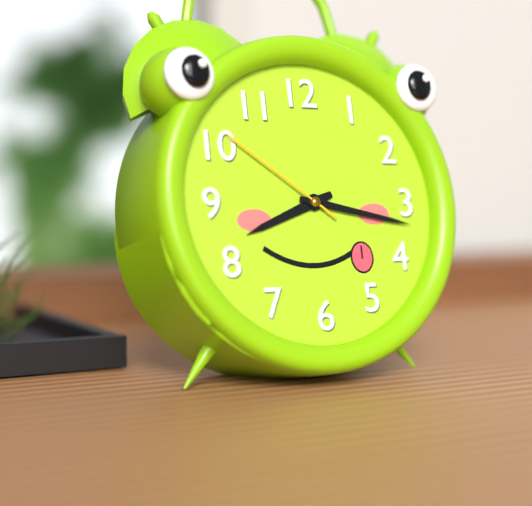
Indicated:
8,17,51
